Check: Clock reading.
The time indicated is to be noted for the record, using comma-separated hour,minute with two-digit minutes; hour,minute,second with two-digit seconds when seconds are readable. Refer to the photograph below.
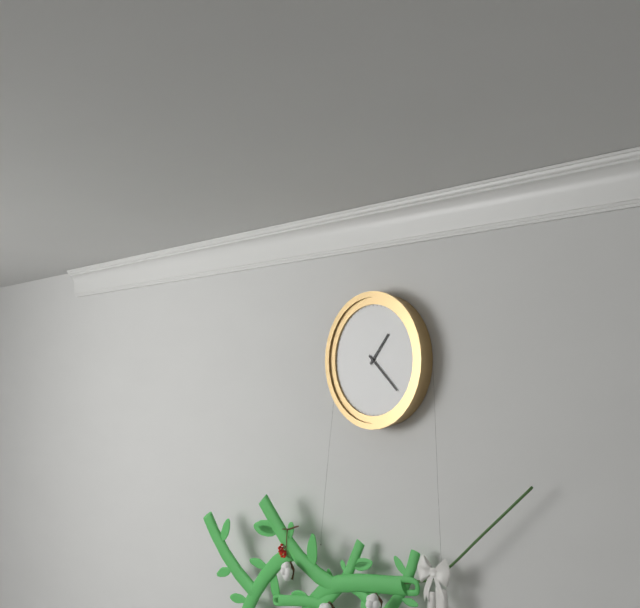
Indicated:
1,22
